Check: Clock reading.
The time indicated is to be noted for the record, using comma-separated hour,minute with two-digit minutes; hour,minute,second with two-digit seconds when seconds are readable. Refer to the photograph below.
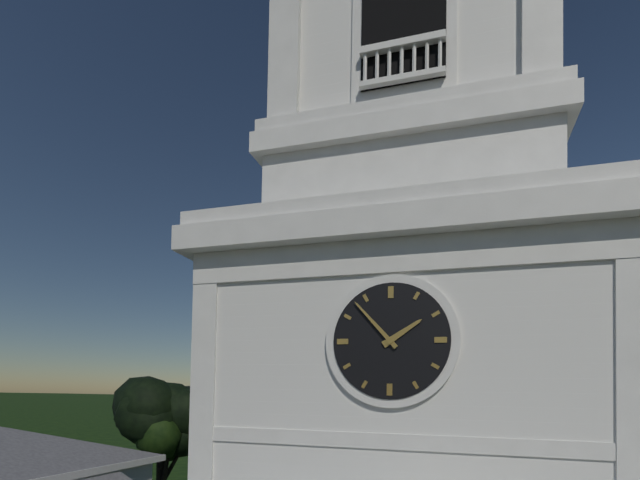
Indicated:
1,53
